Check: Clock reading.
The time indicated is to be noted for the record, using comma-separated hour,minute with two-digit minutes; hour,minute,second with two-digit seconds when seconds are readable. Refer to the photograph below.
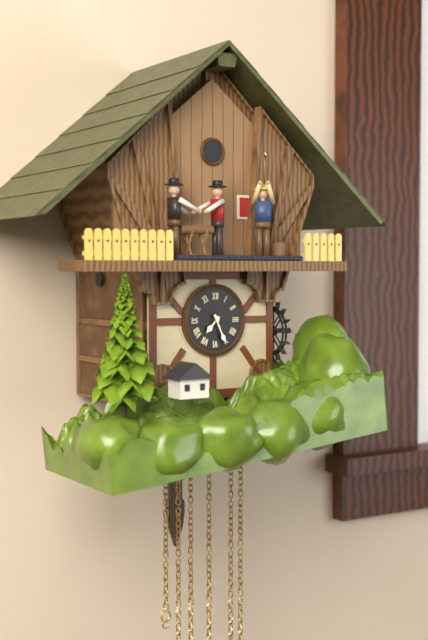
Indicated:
7,26
